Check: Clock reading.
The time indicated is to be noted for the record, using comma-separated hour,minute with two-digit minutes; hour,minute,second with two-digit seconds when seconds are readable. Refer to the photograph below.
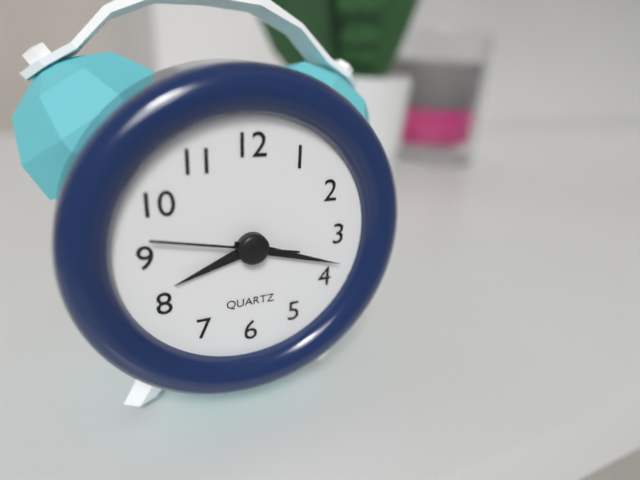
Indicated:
8,18,47
